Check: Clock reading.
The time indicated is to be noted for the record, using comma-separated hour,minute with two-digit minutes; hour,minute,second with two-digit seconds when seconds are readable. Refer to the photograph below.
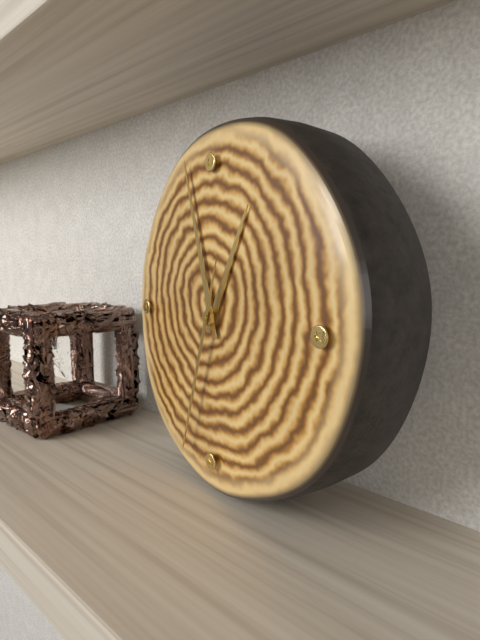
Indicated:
12,57,33
